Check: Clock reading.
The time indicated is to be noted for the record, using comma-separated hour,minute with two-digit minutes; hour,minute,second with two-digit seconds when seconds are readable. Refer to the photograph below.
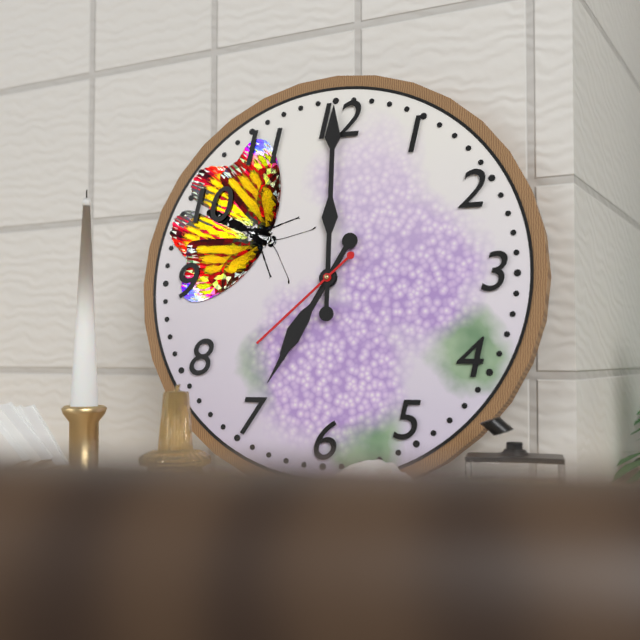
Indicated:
7,00,38
